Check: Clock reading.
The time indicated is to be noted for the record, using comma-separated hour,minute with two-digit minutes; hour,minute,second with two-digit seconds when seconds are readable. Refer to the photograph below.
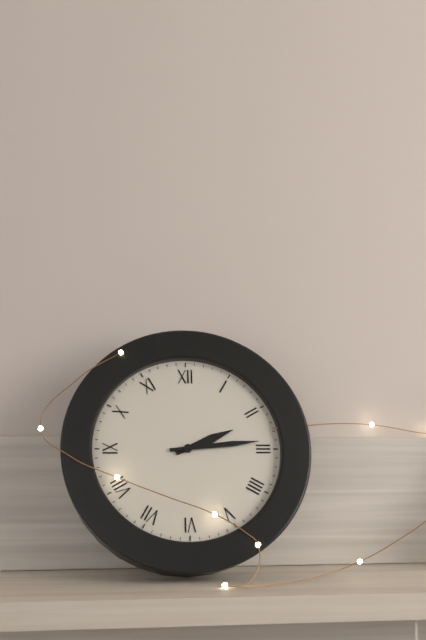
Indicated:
2,14
